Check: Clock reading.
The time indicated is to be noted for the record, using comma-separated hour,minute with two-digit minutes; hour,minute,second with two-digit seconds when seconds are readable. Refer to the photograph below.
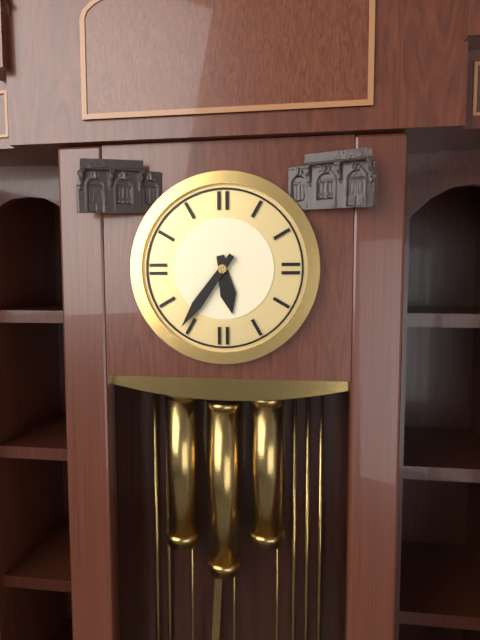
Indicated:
5,36
